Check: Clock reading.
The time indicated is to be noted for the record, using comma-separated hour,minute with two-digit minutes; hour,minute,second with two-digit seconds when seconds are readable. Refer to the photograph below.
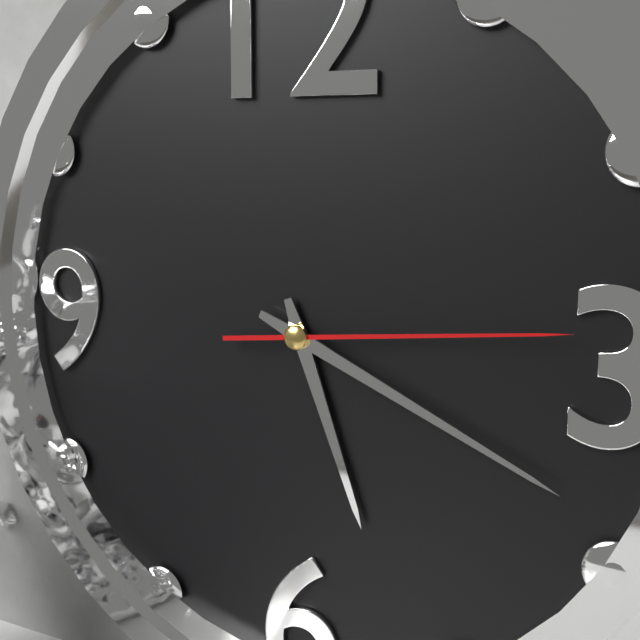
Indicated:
5,19,14
